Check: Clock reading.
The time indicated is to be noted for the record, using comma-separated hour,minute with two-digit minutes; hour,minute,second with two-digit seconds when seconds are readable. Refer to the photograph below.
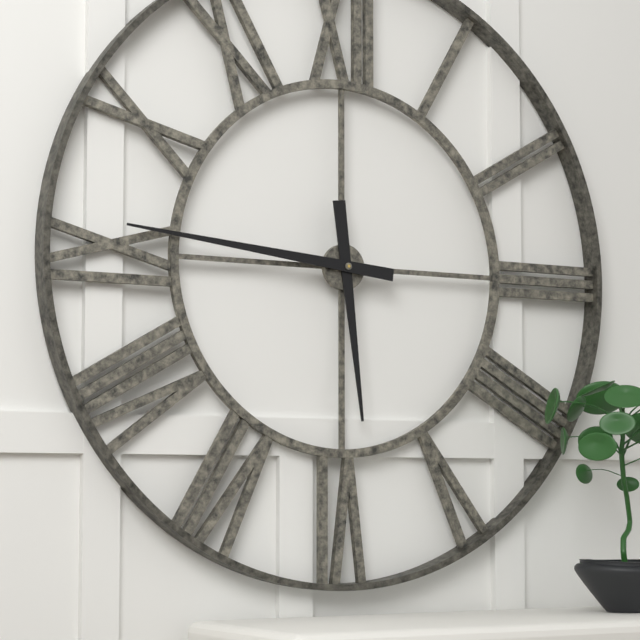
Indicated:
5,46
